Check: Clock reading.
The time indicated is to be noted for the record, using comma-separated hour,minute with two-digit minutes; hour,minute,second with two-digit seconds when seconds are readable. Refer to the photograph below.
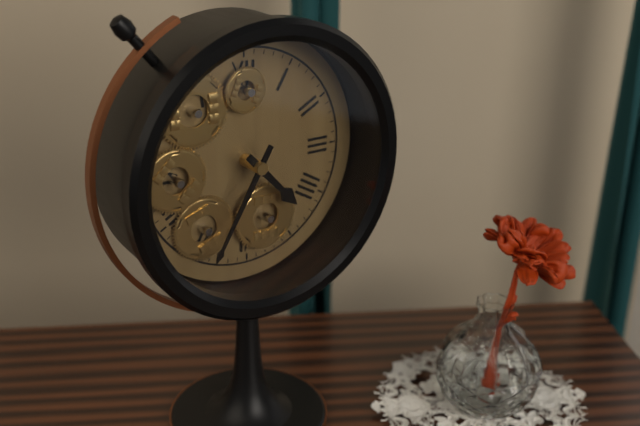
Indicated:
4,35
